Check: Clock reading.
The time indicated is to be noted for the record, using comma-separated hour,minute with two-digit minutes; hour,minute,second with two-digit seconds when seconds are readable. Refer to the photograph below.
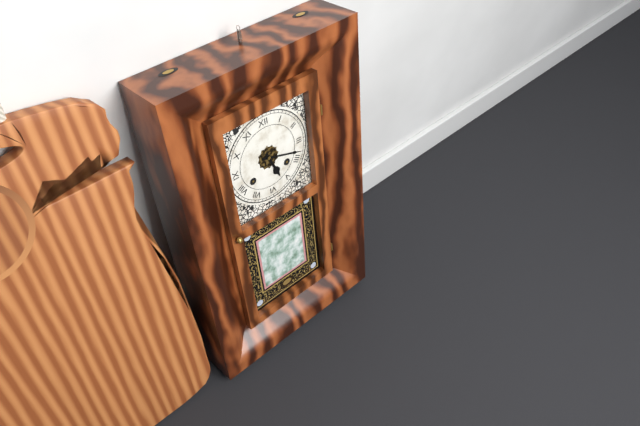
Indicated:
5,18
